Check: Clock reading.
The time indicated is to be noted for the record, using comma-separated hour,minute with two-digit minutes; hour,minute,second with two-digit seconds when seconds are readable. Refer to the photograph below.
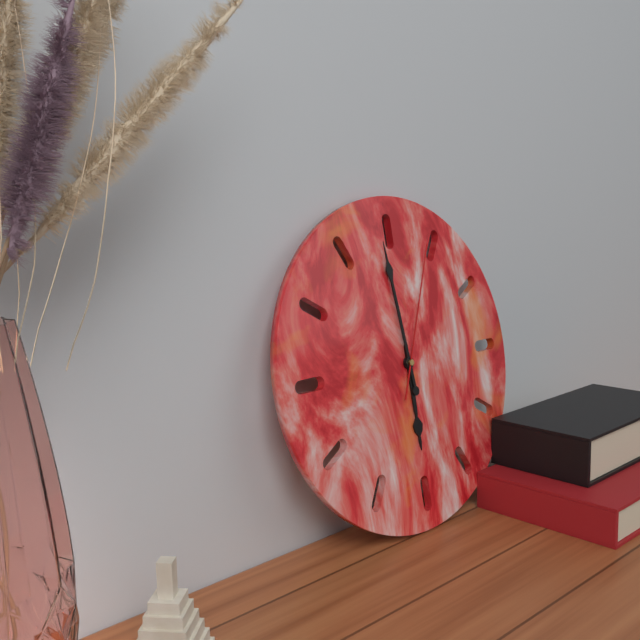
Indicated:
5,59,04
